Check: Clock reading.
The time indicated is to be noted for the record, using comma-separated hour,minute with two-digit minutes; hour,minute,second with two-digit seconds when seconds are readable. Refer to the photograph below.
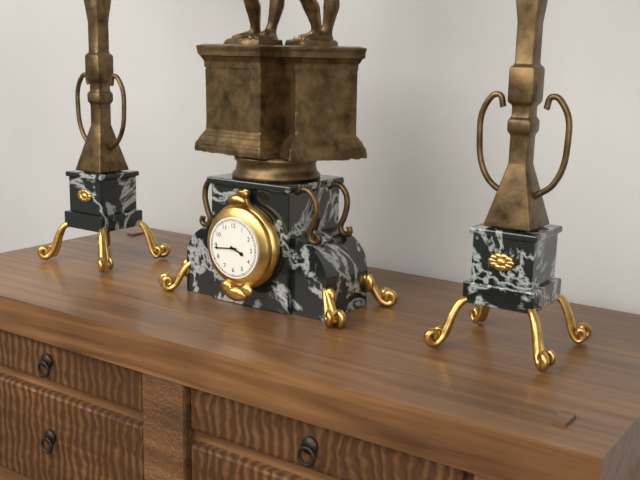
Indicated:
3,44
